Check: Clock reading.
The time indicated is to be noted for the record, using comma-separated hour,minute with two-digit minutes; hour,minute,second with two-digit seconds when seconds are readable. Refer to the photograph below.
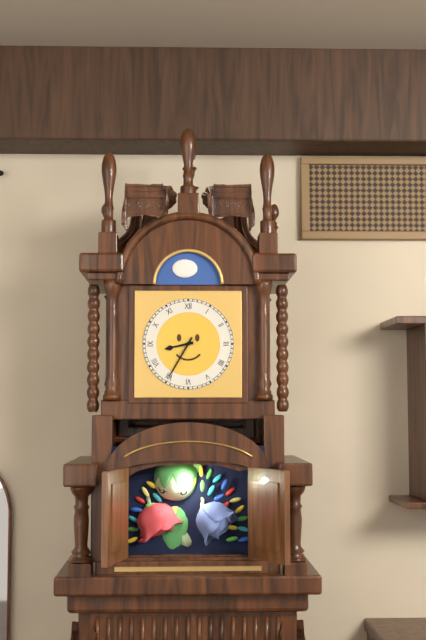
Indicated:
8,35
